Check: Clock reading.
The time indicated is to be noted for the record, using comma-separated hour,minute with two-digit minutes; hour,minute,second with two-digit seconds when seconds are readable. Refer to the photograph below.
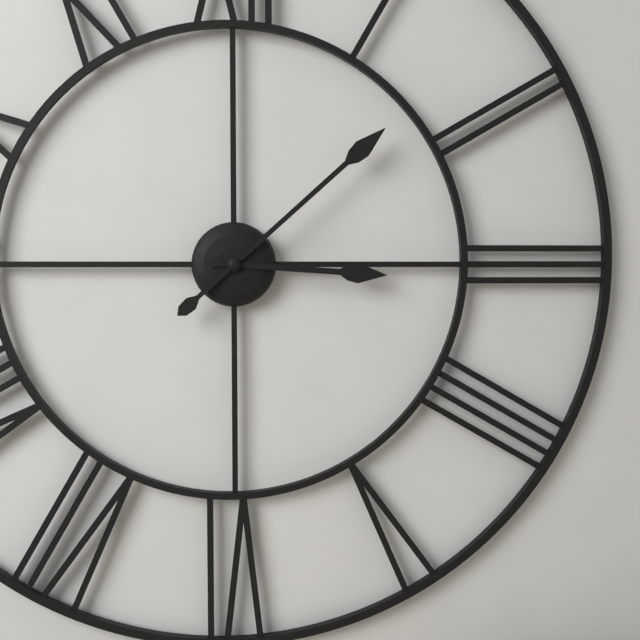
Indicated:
3,08
